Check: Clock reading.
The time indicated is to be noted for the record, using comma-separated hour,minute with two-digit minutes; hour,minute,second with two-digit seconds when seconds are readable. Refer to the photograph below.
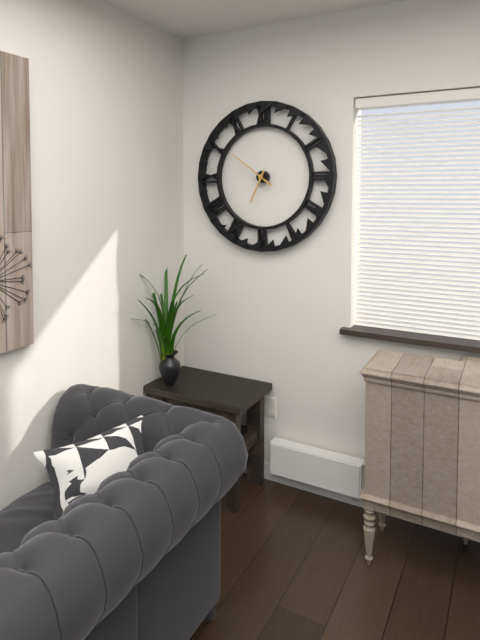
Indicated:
6,51
